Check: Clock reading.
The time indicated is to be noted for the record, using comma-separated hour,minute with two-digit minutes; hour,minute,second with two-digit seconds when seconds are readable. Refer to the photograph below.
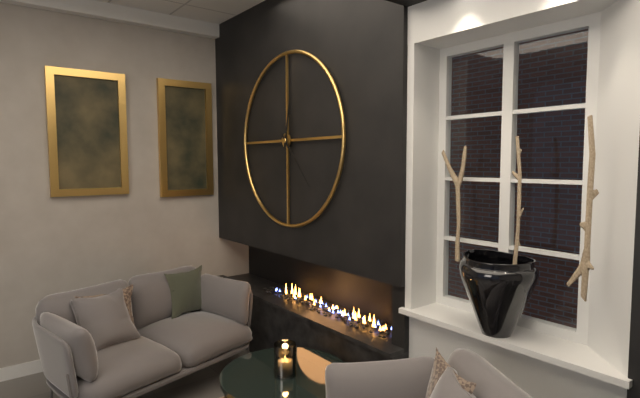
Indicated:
12,23
